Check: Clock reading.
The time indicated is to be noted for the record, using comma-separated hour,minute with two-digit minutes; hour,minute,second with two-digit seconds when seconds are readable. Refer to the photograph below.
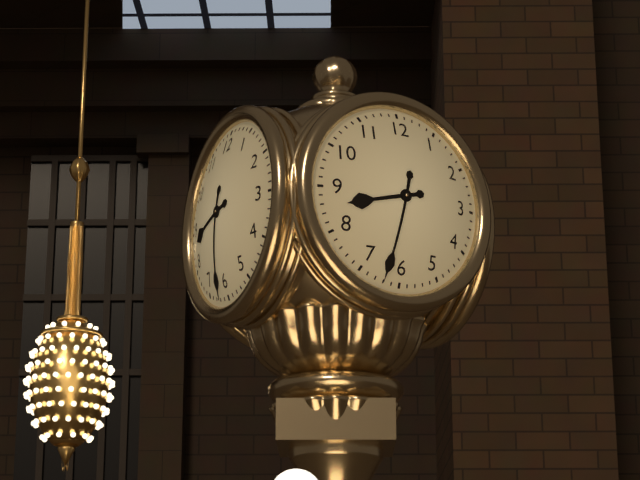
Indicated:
8,32
